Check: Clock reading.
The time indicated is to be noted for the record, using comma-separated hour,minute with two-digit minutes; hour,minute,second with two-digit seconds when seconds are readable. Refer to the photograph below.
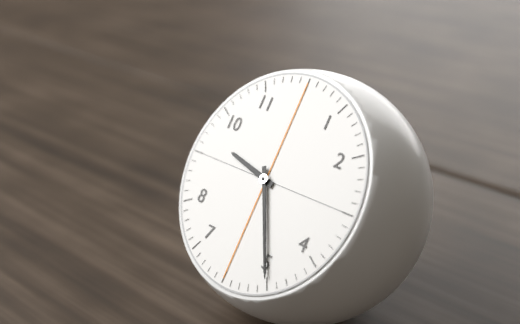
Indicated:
9,25
